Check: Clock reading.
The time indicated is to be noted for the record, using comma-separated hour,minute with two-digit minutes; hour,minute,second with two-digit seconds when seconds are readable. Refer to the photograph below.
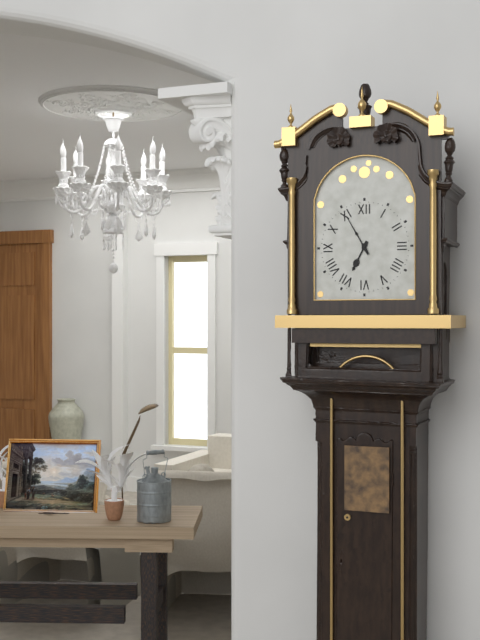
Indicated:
6,55
